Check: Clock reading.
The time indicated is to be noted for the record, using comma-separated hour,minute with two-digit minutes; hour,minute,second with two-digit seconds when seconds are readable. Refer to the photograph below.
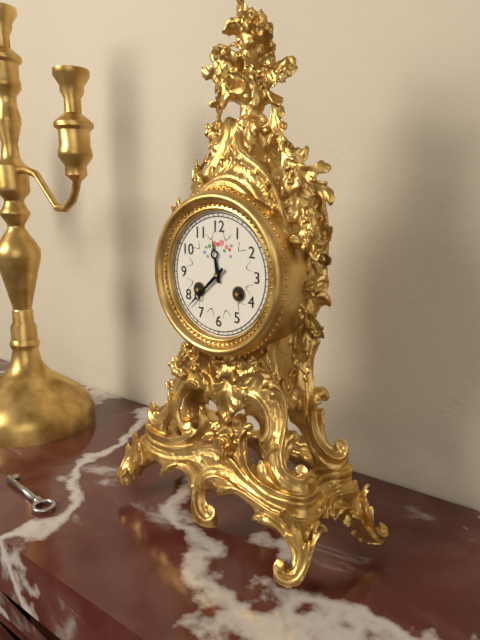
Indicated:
11,38
